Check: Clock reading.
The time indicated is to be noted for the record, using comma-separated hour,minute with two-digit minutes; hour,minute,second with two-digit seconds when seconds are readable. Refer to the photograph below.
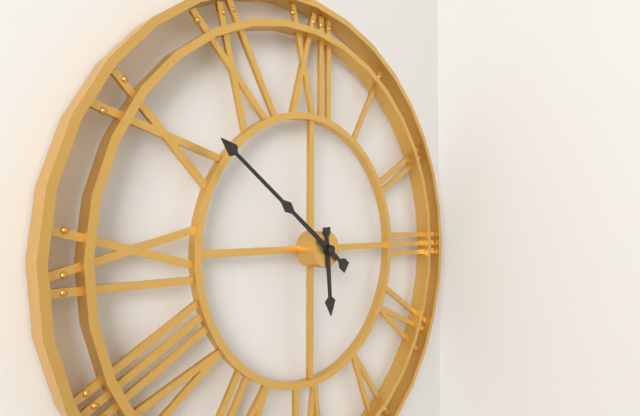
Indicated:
5,51
